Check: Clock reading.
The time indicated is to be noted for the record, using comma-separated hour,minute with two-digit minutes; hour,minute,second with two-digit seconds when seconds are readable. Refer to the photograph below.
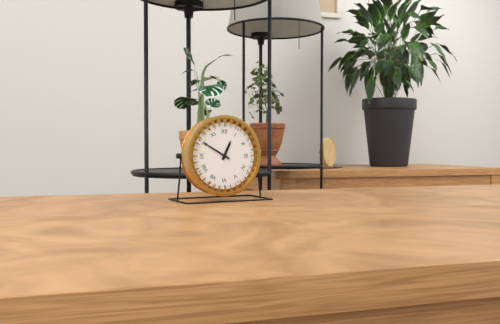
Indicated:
12,50
